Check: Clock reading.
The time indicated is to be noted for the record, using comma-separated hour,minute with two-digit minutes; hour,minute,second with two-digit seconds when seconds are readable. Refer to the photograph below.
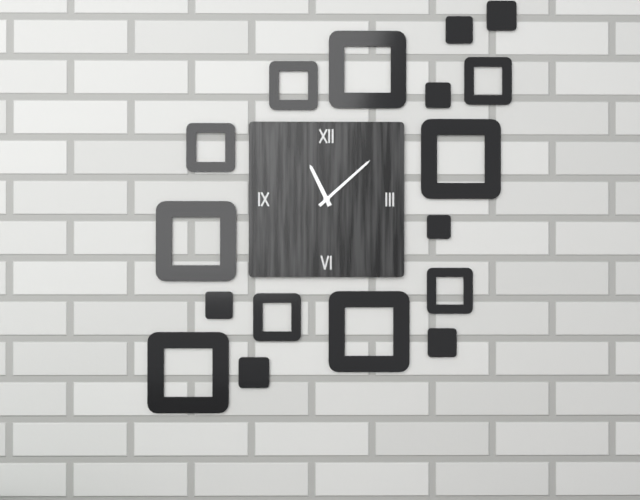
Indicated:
11,08
